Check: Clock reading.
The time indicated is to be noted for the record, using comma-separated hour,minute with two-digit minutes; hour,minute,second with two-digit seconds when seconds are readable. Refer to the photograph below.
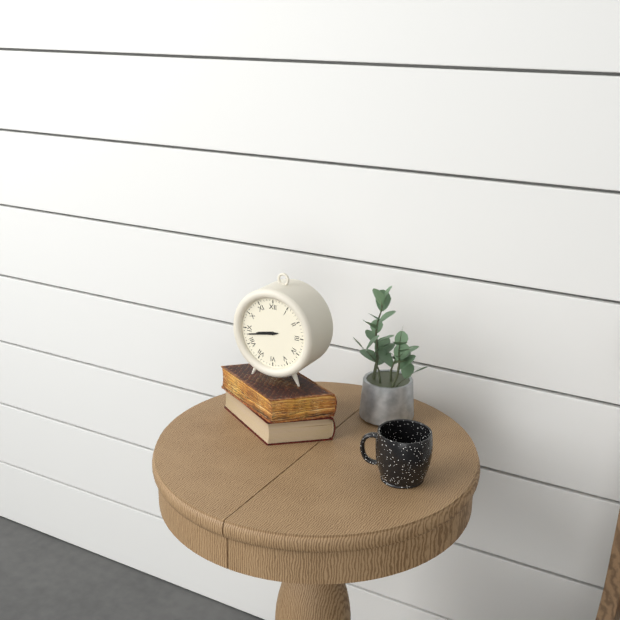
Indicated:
8,43
